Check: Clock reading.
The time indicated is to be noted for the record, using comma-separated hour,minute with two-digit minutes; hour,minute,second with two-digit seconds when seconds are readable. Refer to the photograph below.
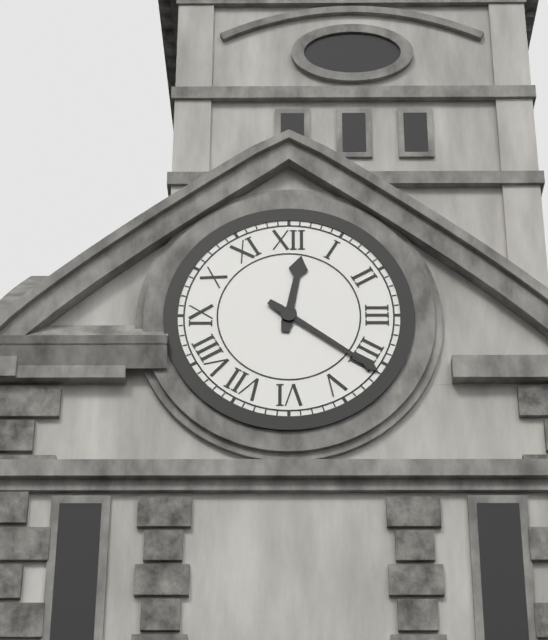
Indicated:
12,21
